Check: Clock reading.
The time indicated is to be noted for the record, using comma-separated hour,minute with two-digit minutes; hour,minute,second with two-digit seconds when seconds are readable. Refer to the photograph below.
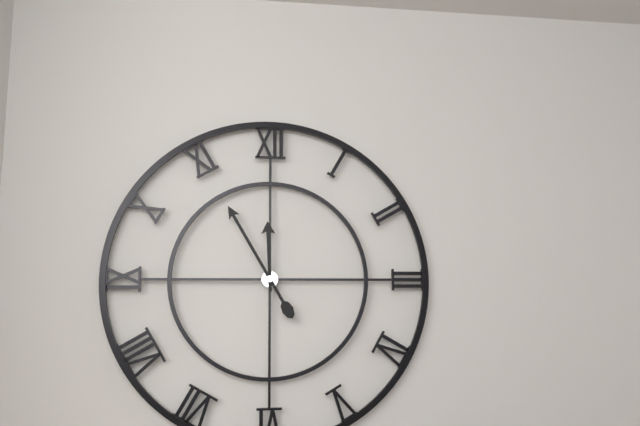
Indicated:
11,55
